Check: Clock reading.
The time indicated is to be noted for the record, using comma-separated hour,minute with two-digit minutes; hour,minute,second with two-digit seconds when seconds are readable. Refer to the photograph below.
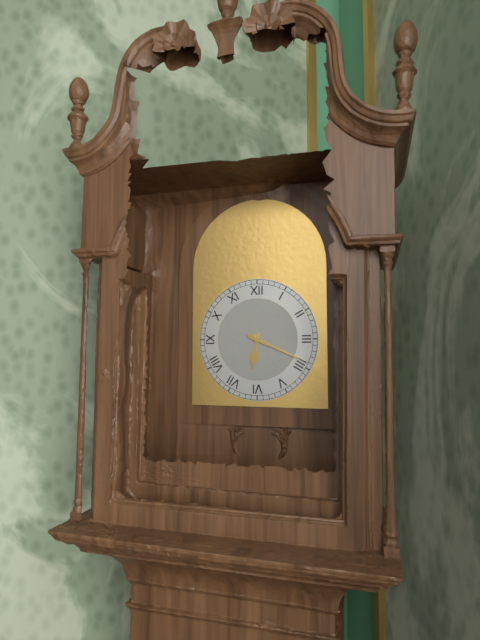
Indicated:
6,19
